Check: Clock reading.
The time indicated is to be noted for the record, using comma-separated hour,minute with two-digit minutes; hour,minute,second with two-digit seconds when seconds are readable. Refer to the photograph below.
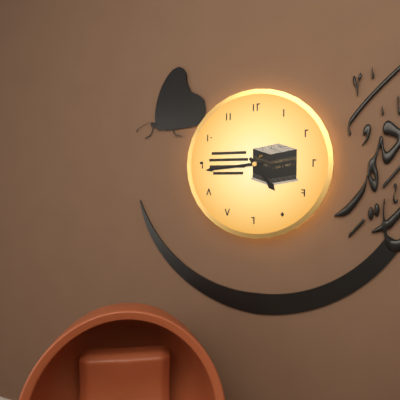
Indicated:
4,44
